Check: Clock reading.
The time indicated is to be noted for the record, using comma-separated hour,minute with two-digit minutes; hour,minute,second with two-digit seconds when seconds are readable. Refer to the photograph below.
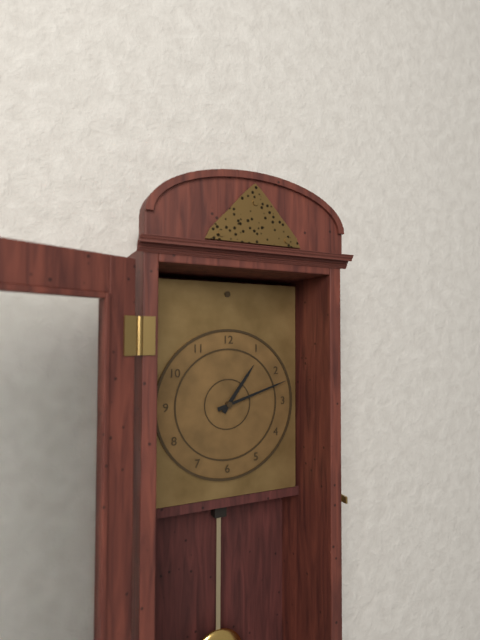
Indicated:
1,12
